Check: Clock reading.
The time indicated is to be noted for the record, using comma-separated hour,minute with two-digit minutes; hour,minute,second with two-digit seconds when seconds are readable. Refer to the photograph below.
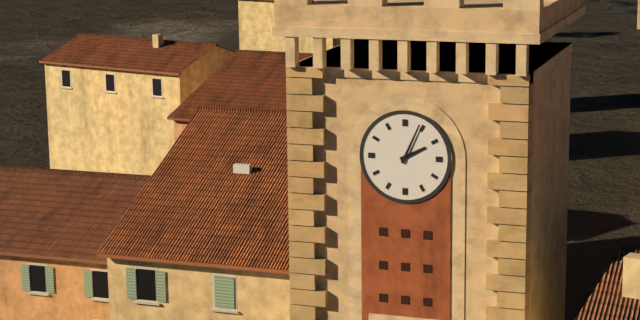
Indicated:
2,04
